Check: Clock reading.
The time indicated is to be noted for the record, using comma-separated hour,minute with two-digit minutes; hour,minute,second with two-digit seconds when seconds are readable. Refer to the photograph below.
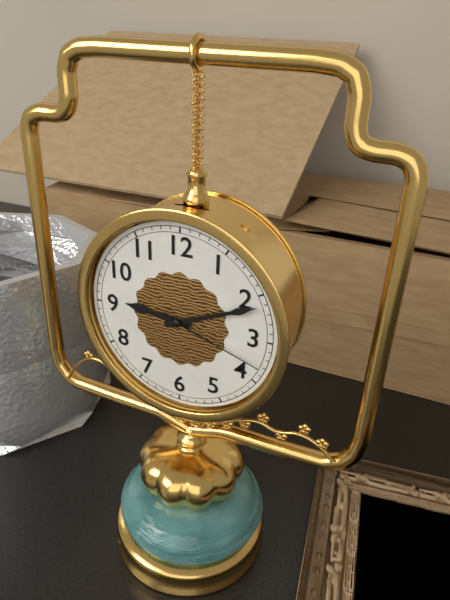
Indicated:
9,11,18
